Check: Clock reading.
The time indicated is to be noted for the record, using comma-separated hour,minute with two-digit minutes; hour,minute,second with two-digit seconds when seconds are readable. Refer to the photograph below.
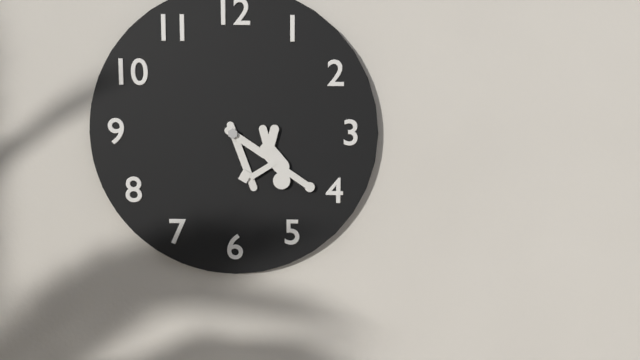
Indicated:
5,20
